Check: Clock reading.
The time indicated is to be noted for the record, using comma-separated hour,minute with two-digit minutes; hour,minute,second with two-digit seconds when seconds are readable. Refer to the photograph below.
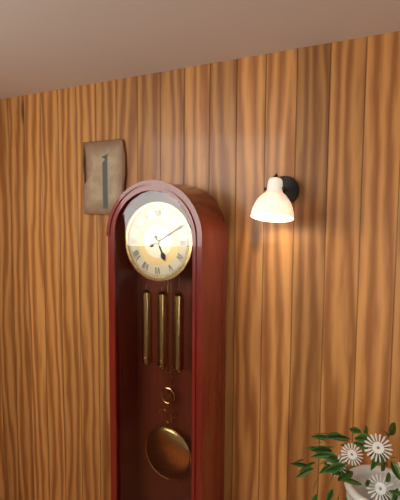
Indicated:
5,10
